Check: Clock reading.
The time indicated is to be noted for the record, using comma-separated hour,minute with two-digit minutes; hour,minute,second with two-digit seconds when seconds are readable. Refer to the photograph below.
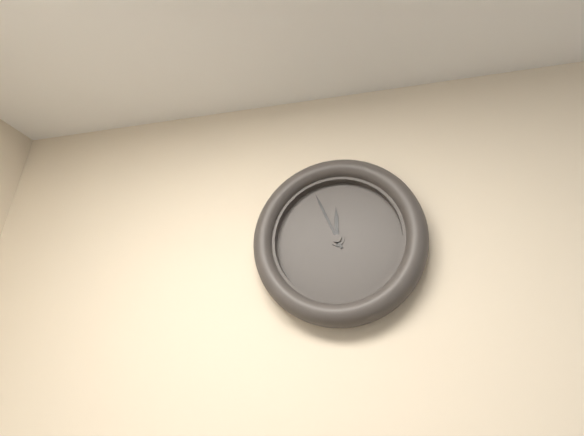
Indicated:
11,56
